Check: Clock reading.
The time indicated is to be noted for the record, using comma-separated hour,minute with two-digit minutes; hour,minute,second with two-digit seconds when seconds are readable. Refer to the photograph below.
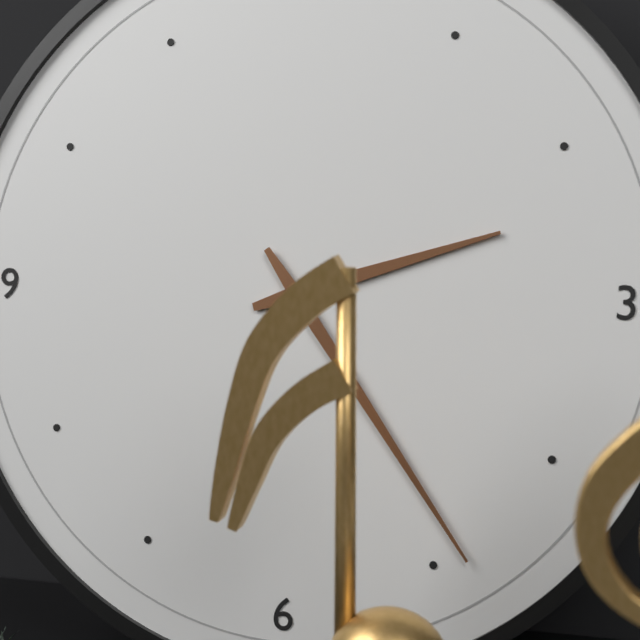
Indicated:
2,24
